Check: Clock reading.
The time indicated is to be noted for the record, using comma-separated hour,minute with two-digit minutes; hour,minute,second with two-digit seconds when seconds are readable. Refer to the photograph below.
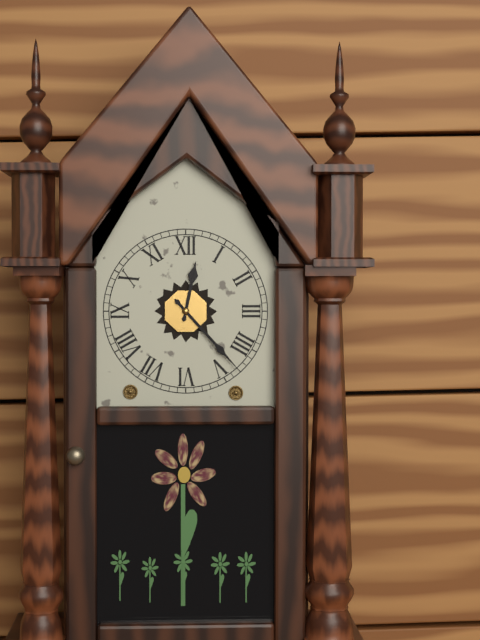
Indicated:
12,23
